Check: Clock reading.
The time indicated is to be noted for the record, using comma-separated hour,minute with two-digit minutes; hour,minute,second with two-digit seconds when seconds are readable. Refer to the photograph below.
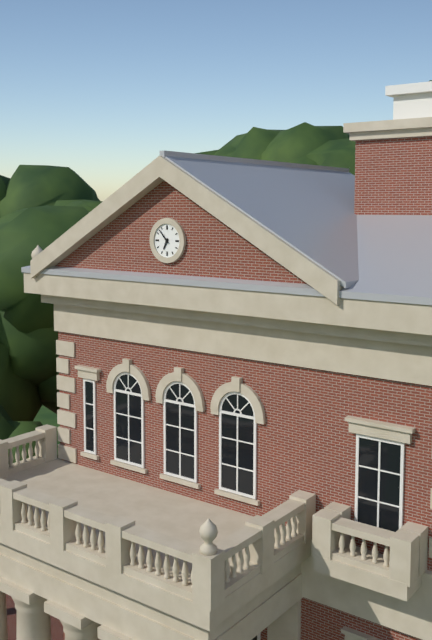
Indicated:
6,53
